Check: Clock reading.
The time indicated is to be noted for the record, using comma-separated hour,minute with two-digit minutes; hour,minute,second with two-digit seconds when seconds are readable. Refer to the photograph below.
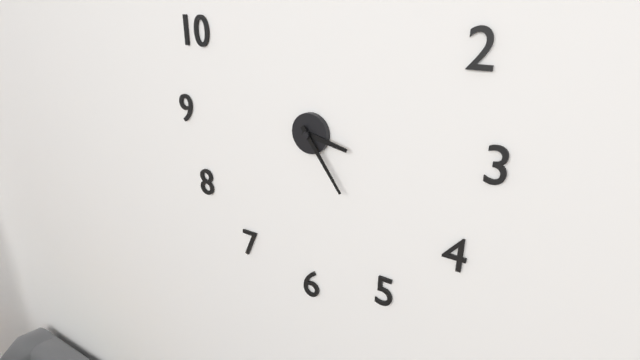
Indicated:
3,24
